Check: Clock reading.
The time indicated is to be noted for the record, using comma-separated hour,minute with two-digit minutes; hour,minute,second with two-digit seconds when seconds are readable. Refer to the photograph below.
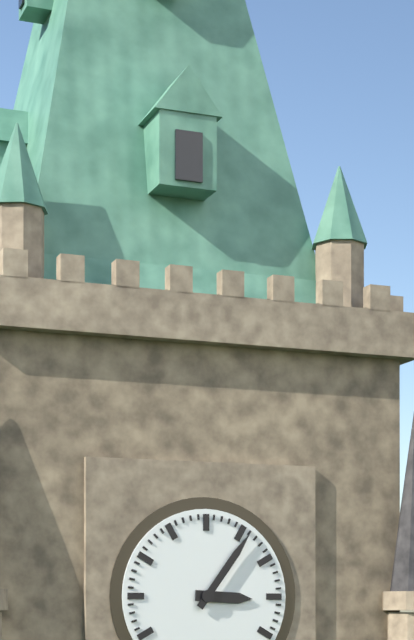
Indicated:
3,06
